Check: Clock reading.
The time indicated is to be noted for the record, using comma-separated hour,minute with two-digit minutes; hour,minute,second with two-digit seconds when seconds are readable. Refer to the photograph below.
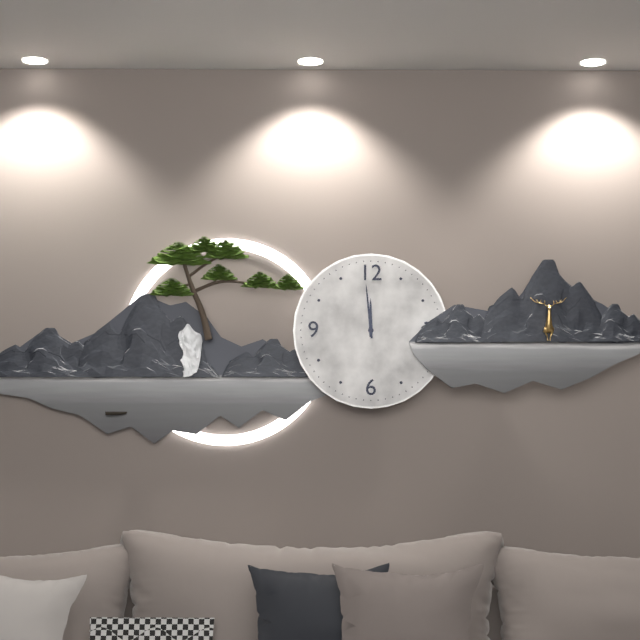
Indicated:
11,59
